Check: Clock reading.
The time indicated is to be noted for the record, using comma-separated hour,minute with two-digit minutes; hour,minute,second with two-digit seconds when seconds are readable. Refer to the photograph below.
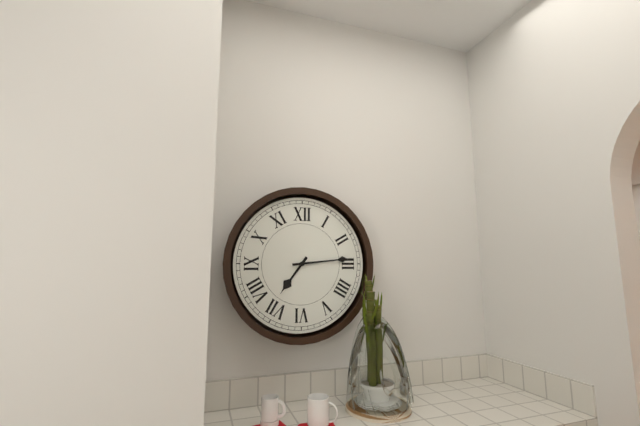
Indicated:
7,14
